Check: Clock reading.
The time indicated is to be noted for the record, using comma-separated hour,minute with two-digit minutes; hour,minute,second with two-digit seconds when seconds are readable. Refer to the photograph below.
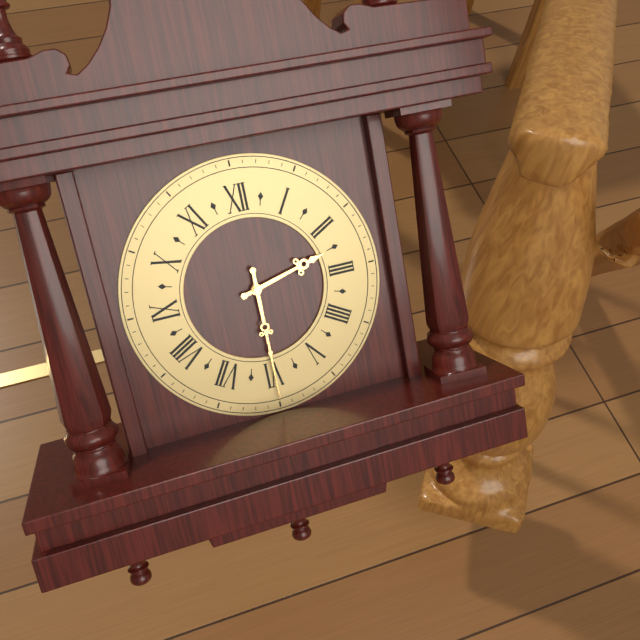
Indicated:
2,30
